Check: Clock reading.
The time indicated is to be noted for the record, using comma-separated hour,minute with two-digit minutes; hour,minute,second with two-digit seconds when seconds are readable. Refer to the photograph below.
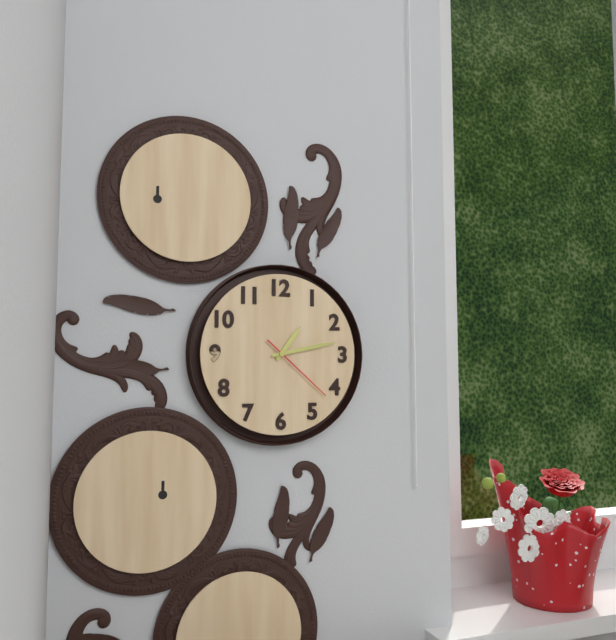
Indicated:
1,13,22
